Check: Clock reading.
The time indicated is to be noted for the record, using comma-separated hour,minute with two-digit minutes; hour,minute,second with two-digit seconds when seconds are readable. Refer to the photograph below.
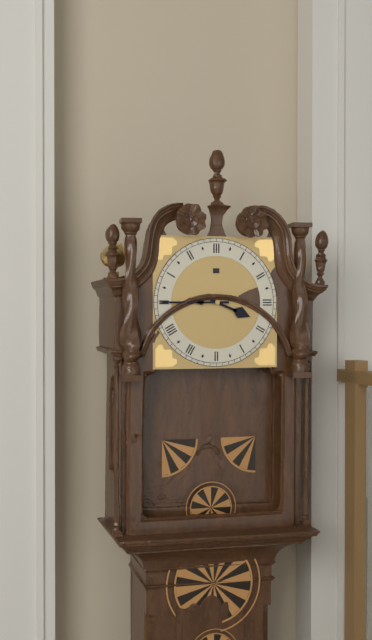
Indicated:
3,45
